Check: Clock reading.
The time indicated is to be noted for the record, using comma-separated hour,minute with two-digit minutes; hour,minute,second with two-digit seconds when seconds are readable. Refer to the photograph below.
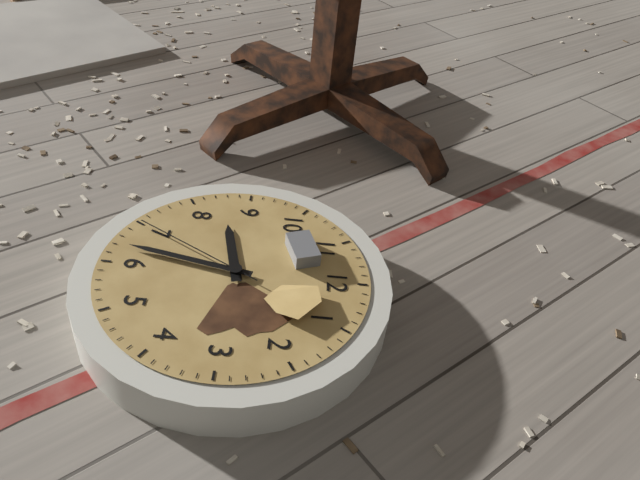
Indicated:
8,32,35
